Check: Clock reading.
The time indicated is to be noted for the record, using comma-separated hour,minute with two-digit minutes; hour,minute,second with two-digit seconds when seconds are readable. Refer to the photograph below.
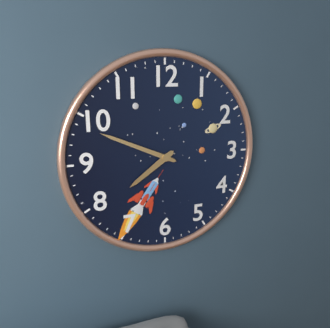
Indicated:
7,49
